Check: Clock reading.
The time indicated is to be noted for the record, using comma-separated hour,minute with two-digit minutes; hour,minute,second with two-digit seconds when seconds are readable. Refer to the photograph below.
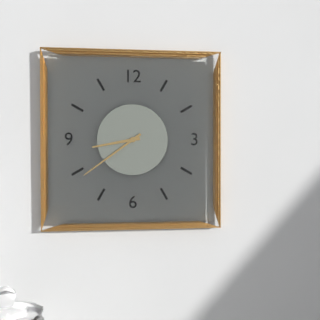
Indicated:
8,39
